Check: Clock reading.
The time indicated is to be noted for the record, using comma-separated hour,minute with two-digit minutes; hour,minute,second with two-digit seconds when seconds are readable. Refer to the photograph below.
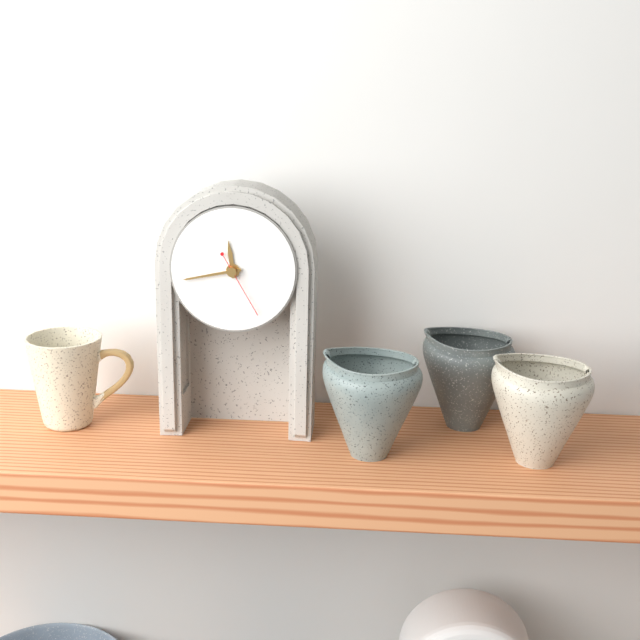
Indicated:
11,43,25
